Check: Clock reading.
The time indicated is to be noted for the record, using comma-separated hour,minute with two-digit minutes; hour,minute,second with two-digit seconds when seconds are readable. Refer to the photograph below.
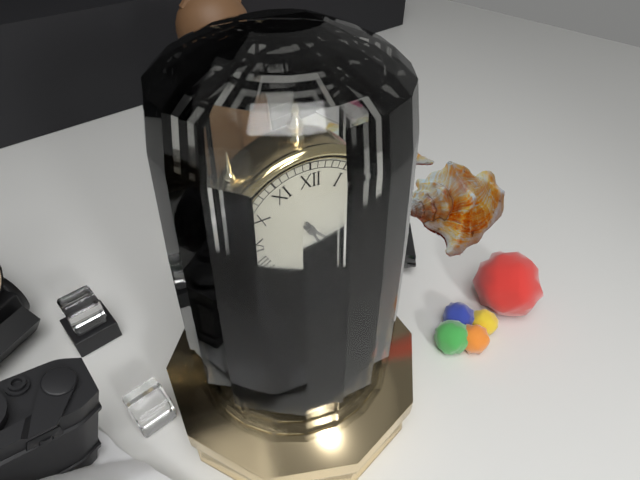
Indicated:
4,26
